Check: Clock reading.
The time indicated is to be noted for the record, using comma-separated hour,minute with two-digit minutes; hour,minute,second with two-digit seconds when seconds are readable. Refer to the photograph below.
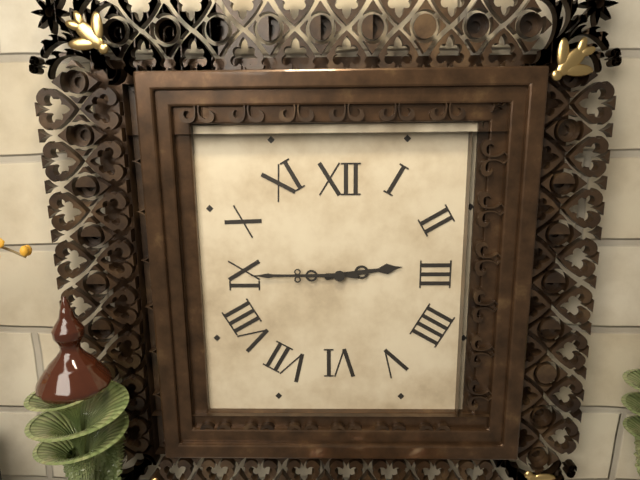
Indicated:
2,45
